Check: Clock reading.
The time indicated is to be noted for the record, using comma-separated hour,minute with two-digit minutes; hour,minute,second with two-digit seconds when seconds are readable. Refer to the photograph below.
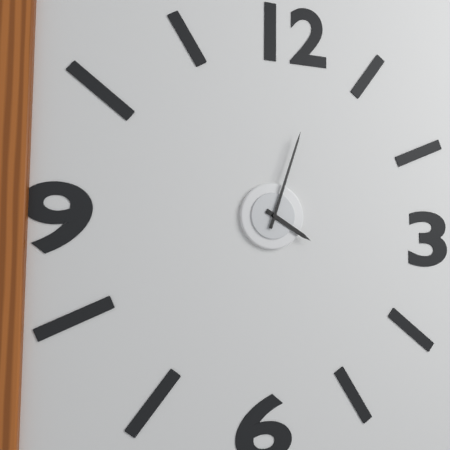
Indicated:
4,03
